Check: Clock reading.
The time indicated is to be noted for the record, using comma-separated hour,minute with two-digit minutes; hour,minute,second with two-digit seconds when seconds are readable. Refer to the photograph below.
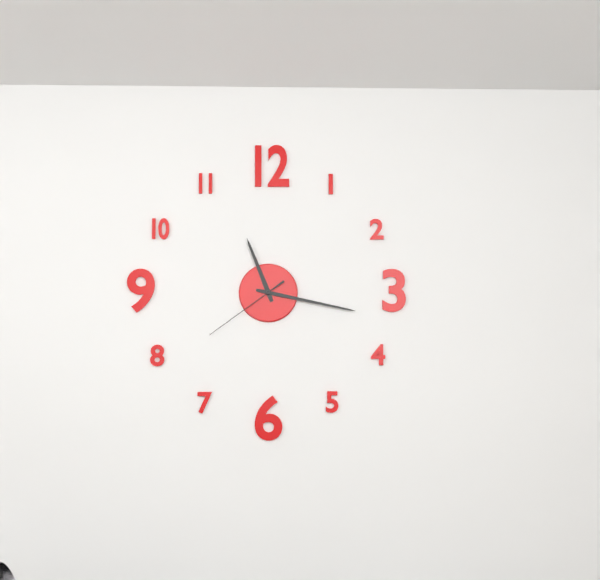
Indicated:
11,17,39
